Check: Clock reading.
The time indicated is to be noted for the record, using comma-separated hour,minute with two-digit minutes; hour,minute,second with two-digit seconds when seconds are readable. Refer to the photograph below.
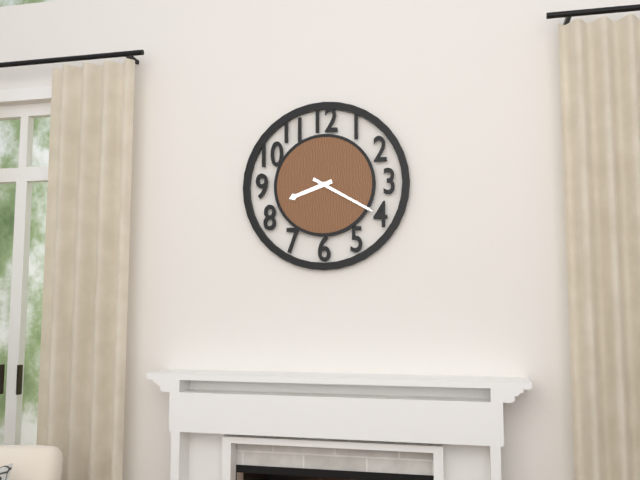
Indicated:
8,20
